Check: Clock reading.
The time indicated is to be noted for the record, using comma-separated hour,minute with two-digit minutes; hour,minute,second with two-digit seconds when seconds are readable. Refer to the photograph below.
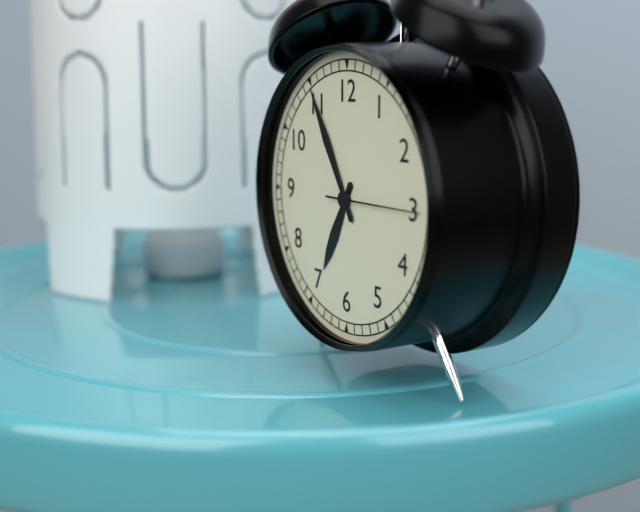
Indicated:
6,55,15
